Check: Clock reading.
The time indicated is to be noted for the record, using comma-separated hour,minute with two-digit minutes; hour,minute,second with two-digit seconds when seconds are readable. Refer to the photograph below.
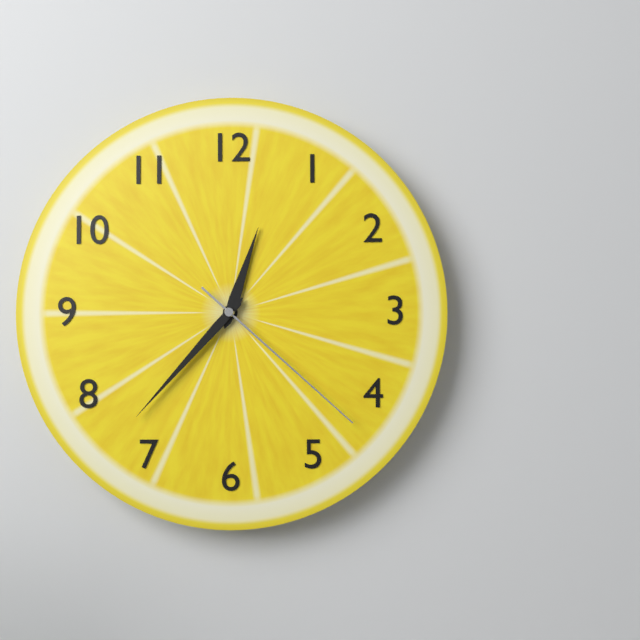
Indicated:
12,37,22
